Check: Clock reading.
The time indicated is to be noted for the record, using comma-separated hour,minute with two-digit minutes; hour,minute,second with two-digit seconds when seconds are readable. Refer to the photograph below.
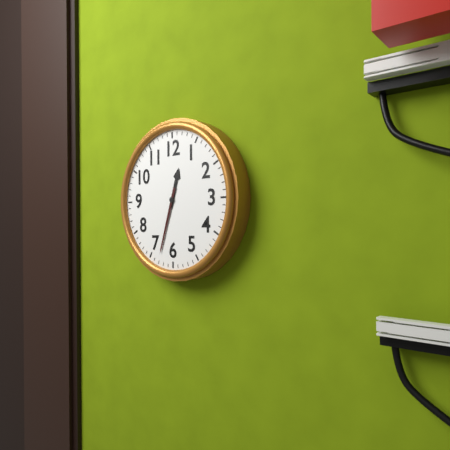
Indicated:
12,33
